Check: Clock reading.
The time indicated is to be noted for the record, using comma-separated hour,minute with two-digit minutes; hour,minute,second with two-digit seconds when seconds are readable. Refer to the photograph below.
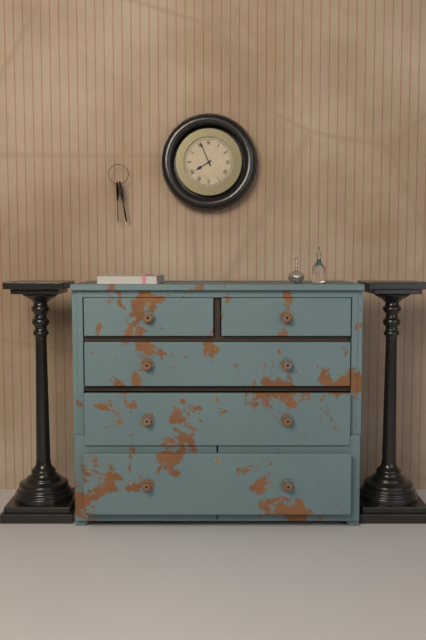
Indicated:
7,56
